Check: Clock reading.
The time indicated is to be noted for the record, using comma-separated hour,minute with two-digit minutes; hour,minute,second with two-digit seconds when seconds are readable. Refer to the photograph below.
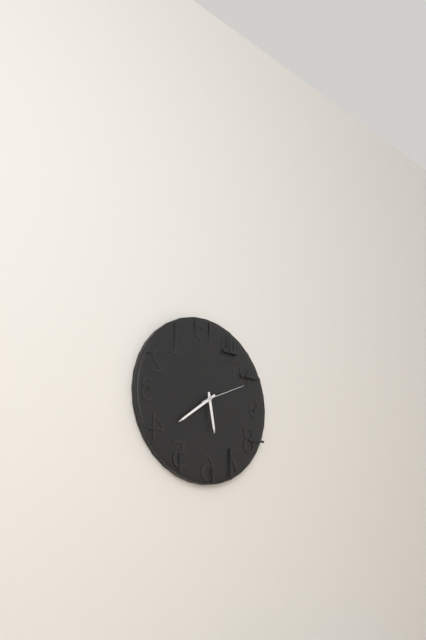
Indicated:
5,39,11
